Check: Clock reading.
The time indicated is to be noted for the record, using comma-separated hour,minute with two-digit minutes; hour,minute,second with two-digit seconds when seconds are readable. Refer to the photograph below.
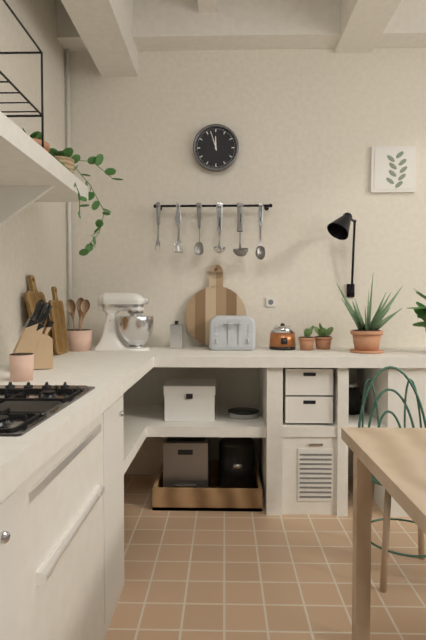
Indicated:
11,57
